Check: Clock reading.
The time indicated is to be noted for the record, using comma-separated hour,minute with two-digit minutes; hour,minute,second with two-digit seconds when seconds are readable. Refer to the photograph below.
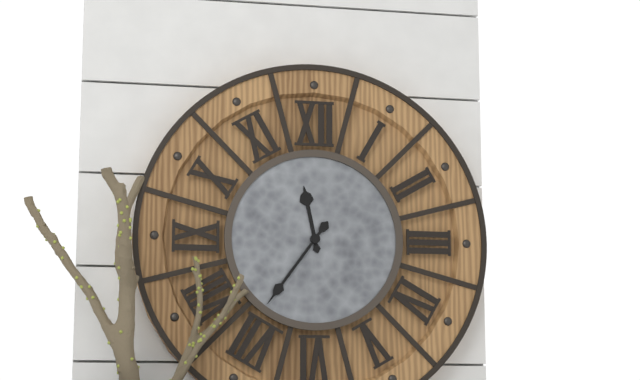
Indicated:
11,36
